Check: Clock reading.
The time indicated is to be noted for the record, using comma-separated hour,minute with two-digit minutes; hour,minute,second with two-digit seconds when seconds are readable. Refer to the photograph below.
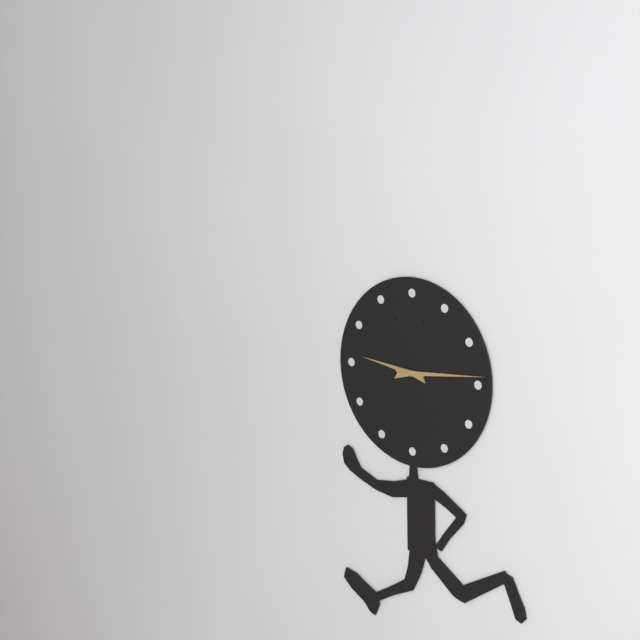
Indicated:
9,14
